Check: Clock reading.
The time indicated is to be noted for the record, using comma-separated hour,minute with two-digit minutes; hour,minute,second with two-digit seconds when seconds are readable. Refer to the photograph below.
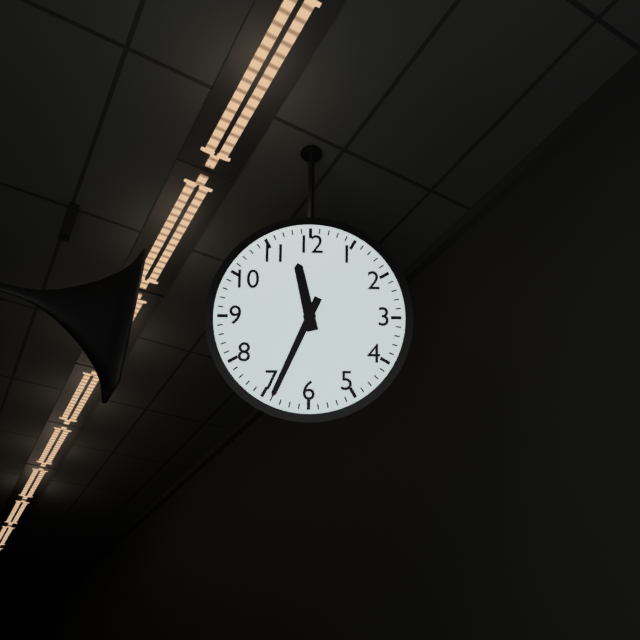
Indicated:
11,34
